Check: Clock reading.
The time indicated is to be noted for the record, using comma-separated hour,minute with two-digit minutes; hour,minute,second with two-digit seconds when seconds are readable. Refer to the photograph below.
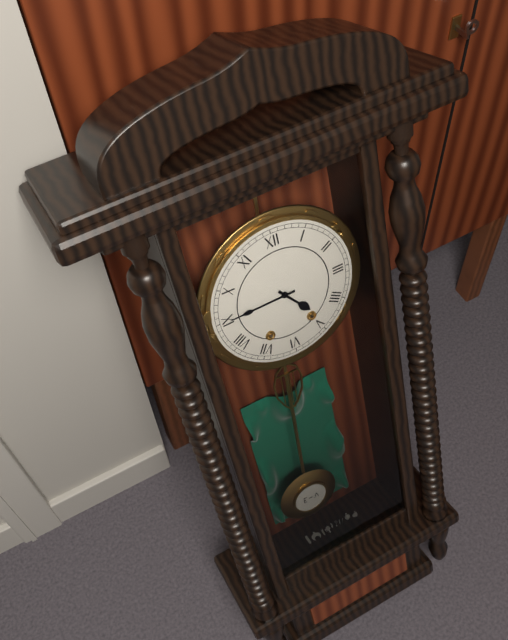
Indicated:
4,45
